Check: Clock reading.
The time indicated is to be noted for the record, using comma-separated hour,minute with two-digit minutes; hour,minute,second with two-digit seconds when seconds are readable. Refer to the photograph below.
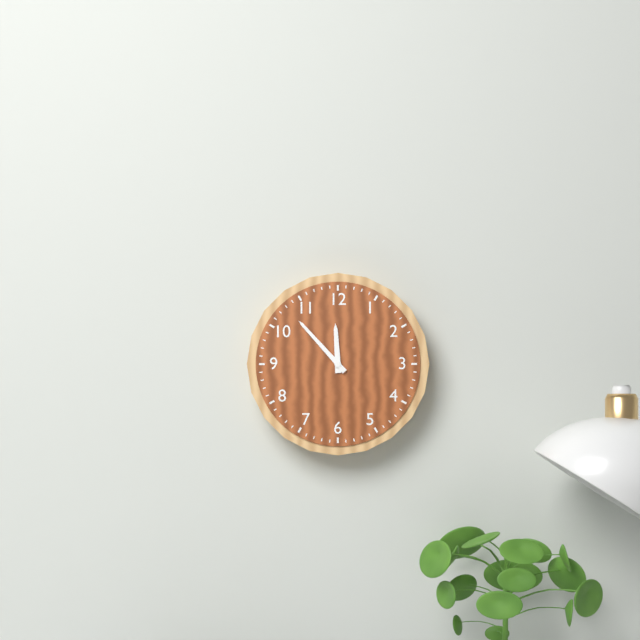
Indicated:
11,53
